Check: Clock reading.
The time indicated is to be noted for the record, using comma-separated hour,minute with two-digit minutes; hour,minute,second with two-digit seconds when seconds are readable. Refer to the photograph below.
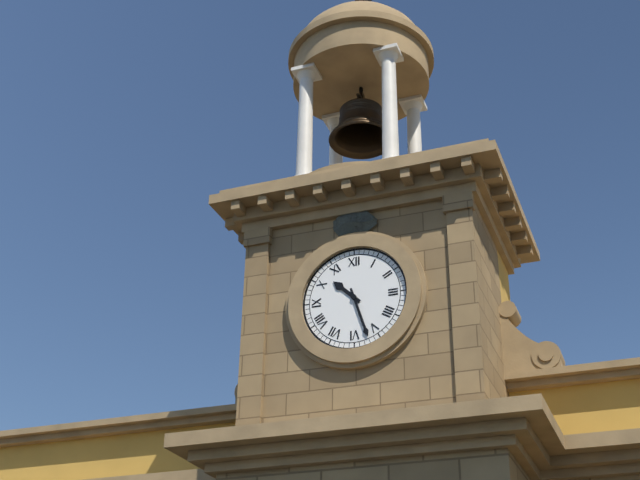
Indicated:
10,27
